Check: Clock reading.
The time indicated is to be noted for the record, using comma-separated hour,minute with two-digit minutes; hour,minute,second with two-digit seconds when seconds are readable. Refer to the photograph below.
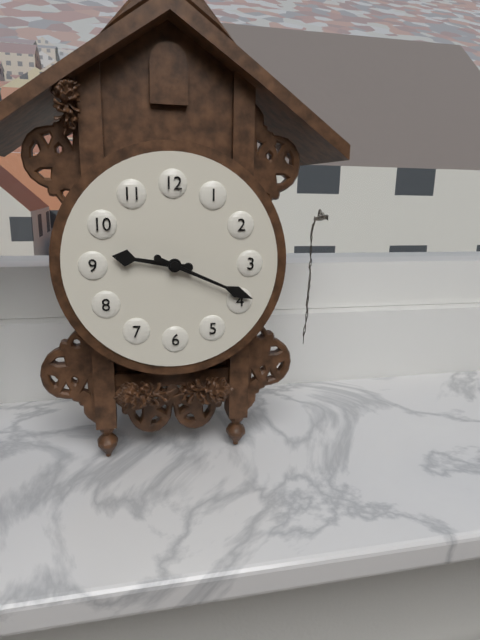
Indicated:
9,19
